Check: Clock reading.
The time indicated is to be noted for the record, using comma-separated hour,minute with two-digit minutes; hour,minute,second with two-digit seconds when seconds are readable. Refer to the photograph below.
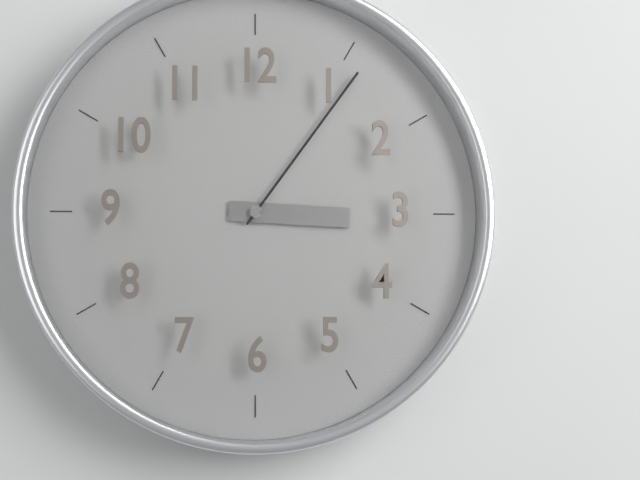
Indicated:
3,06
